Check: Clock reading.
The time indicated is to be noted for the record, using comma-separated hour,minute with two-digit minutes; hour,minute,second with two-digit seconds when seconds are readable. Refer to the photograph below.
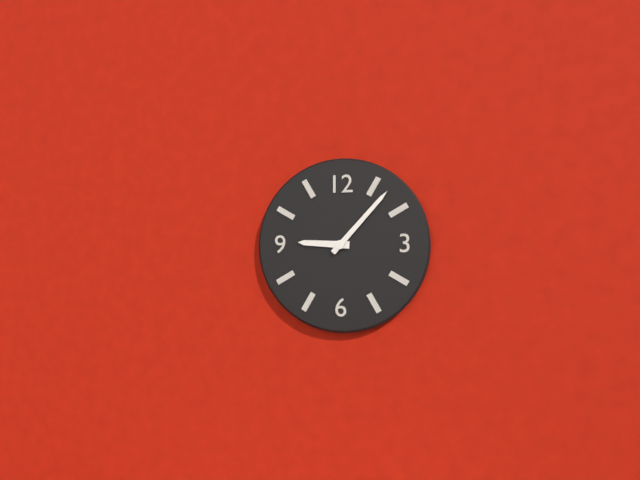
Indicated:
9,07
